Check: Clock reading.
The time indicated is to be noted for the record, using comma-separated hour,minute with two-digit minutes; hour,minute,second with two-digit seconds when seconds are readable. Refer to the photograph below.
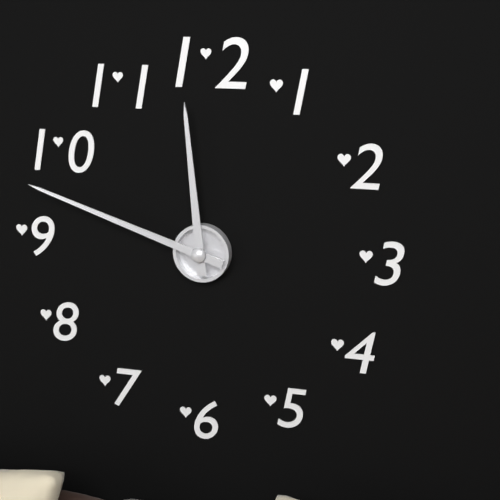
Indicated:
11,48
